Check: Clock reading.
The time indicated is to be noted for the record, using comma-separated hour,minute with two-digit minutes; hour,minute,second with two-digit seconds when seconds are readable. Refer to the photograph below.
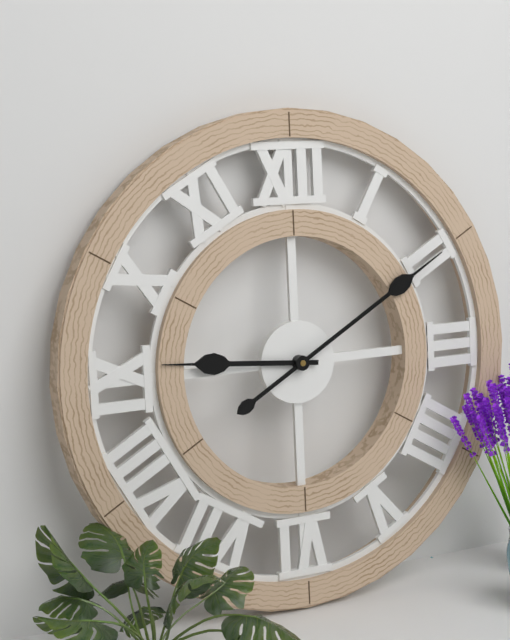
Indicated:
9,10
